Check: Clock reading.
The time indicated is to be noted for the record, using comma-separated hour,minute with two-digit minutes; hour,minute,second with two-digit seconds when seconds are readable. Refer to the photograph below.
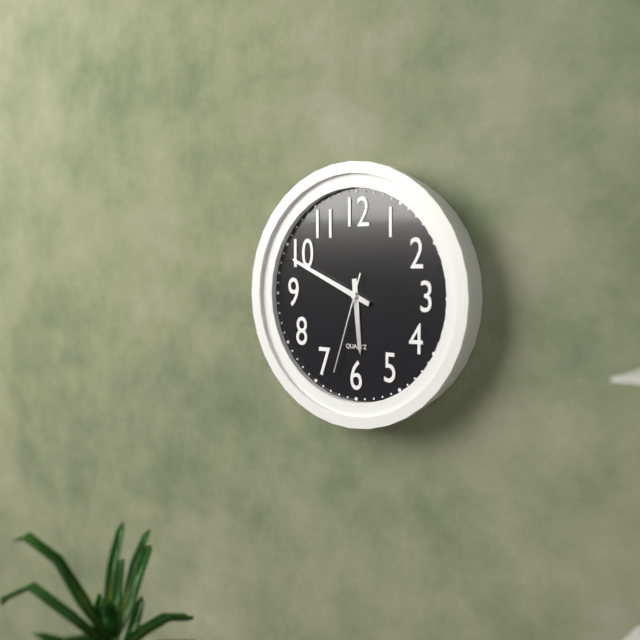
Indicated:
5,49,33
